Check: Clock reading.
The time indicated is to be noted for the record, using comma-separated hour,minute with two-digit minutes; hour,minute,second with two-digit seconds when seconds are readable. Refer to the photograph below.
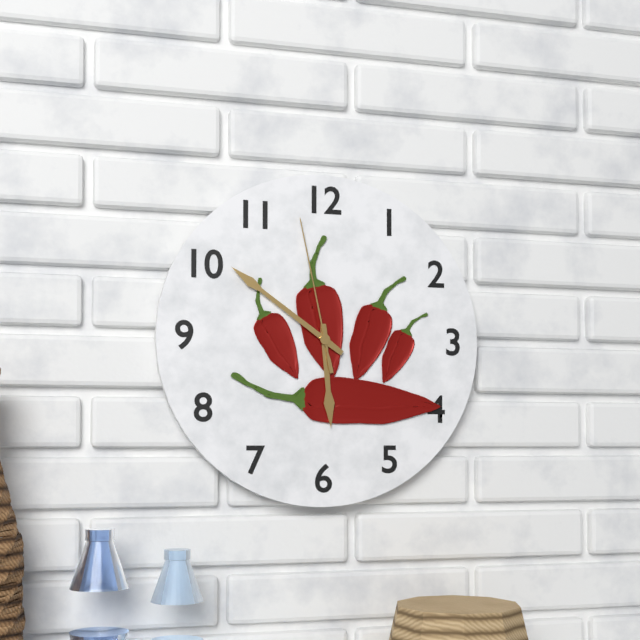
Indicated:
5,51,58
